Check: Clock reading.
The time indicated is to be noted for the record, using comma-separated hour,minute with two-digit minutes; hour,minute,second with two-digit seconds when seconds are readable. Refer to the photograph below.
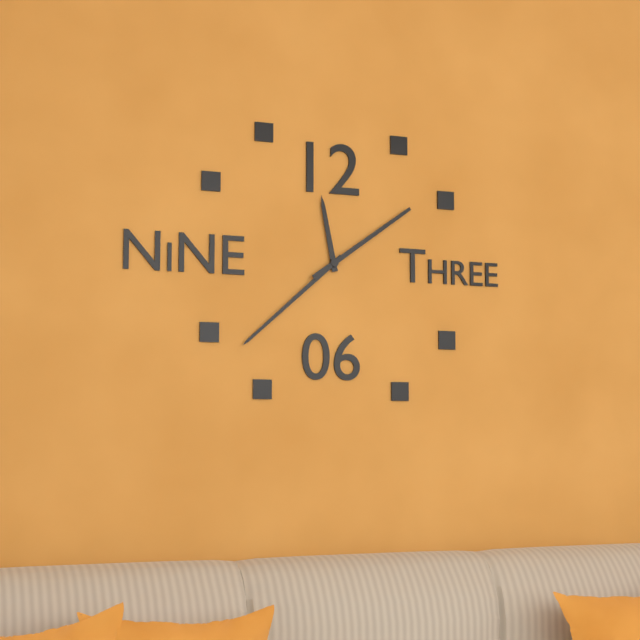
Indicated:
11,38,09
